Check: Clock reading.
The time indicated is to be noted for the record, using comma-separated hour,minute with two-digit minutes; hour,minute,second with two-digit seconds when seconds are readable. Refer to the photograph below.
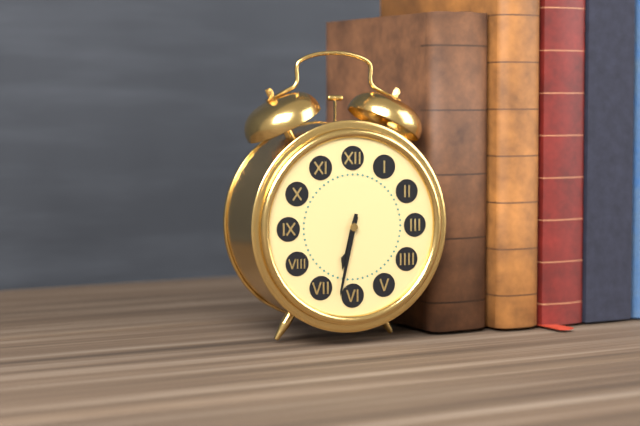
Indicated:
6,32
